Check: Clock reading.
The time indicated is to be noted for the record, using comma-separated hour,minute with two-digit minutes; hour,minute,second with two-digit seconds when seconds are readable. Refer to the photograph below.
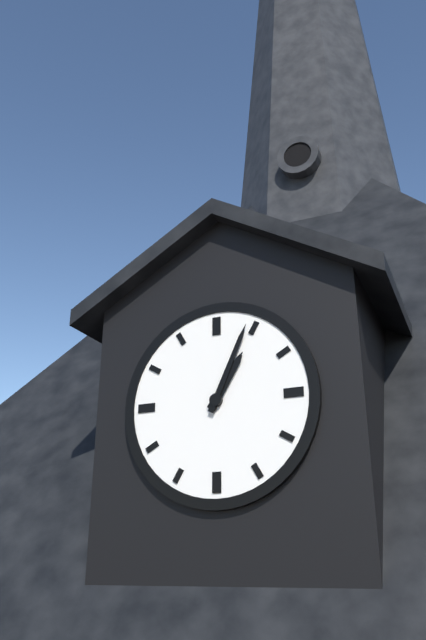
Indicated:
1,04
